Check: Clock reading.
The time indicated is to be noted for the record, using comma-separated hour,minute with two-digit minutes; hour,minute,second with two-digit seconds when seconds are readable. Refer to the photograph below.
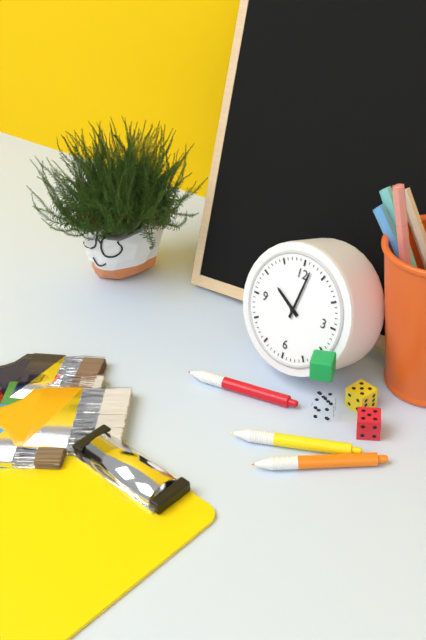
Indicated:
10,02
